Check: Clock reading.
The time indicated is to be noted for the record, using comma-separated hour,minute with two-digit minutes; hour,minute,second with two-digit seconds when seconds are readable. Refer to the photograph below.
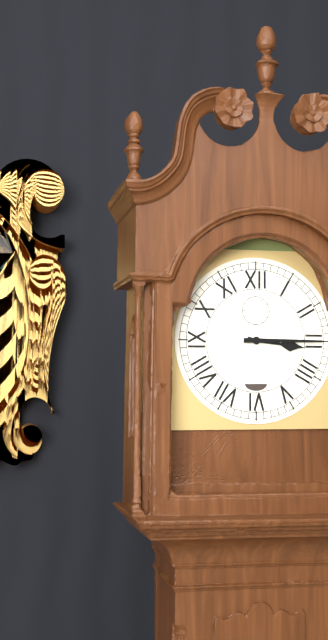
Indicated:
3,15
